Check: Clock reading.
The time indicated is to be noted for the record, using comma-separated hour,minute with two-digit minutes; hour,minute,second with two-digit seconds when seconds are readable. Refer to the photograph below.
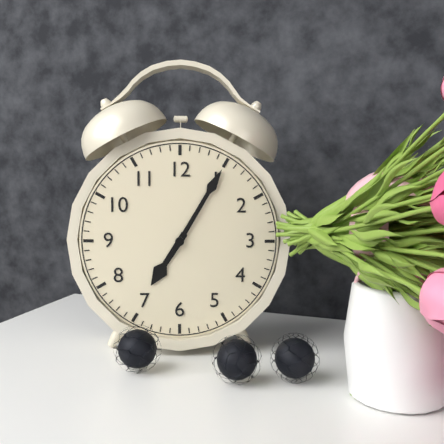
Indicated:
7,05
